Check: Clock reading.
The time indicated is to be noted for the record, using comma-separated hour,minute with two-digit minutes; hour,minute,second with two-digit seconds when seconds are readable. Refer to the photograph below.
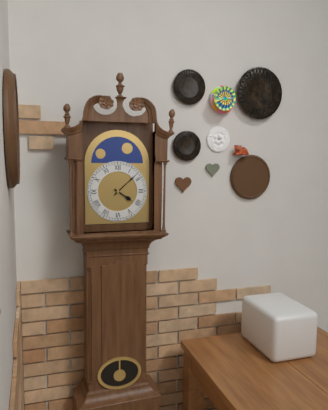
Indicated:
4,08
